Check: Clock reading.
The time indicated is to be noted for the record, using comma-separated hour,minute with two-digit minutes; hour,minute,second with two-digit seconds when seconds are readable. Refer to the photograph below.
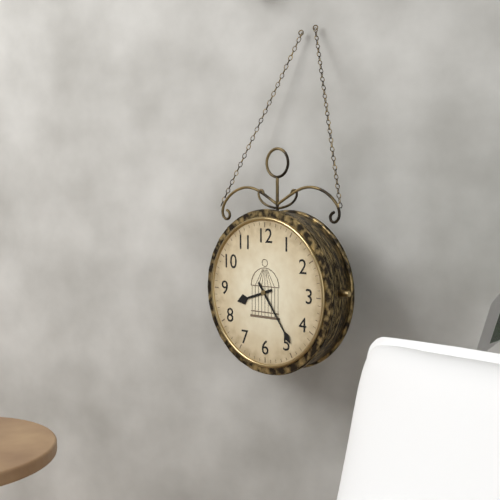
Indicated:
8,24
